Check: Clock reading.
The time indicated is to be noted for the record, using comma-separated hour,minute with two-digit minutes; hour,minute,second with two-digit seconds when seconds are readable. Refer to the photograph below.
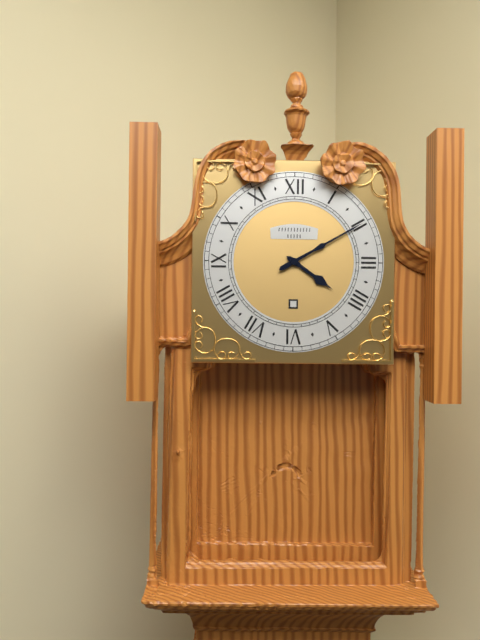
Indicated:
4,10
